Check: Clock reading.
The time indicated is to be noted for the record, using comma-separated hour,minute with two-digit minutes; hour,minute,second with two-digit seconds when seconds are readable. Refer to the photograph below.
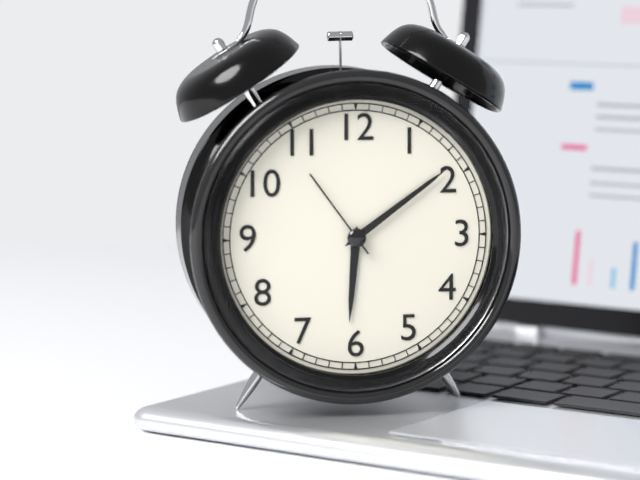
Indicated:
6,09,54
